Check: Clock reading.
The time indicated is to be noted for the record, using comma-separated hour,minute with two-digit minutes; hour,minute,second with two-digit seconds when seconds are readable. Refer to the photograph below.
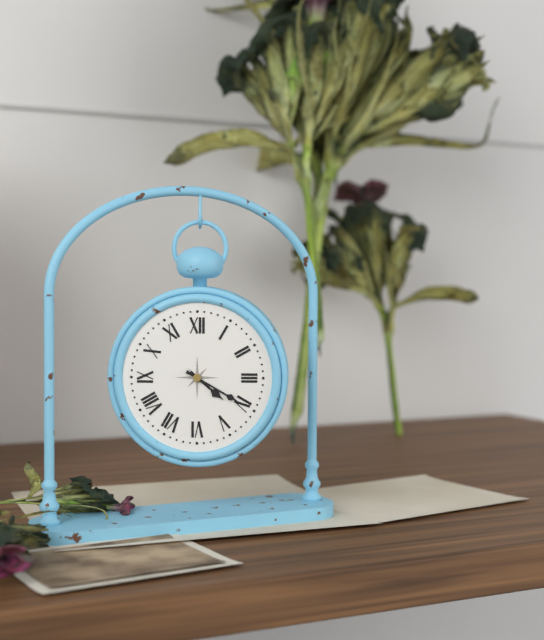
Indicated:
4,20
